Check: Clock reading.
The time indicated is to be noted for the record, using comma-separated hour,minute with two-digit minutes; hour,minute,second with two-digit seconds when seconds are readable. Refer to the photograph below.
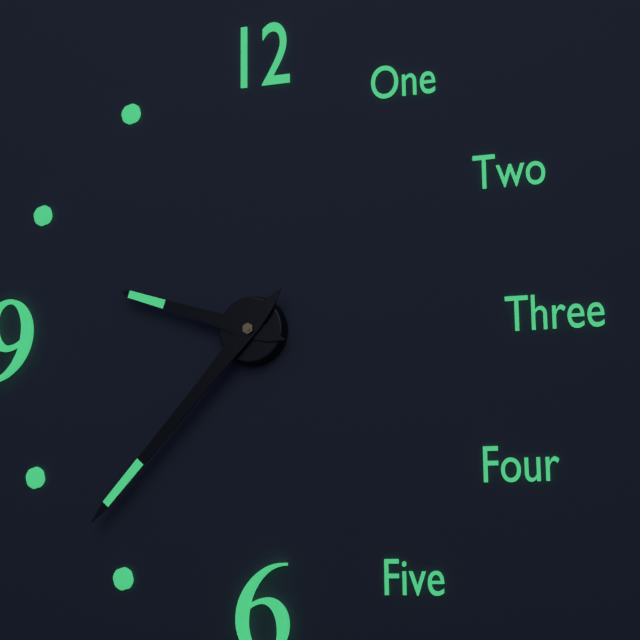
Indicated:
9,37
